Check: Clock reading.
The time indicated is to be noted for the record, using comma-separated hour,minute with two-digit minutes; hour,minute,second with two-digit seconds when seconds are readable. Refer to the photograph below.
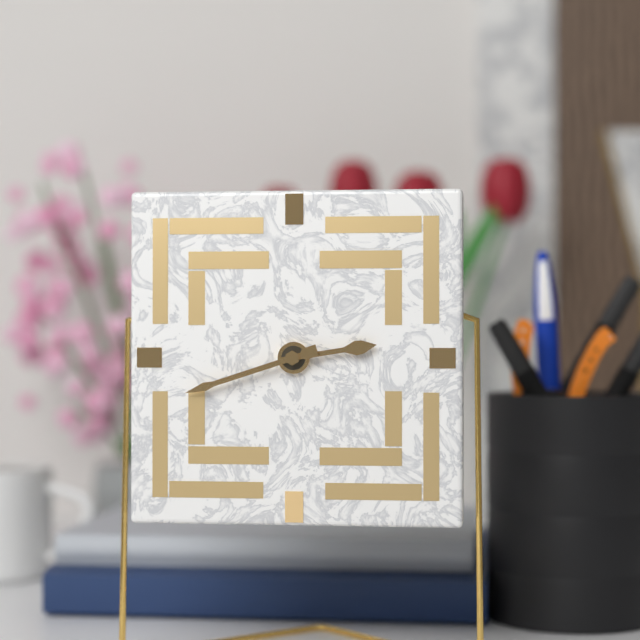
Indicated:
2,42,42
